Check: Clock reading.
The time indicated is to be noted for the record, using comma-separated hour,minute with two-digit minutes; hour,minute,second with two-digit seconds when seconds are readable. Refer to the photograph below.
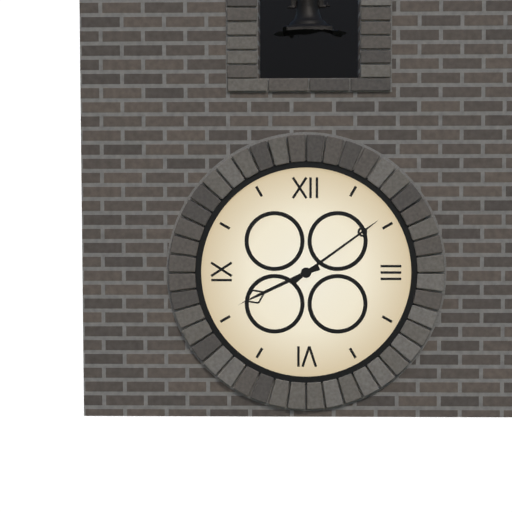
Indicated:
8,09
